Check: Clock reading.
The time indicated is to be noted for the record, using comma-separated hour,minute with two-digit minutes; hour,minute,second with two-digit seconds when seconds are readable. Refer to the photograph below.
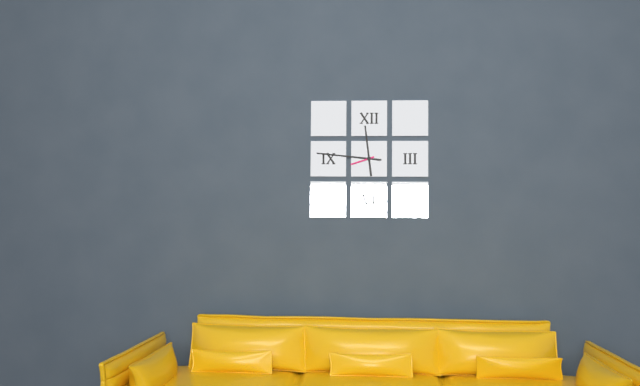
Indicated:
11,46
